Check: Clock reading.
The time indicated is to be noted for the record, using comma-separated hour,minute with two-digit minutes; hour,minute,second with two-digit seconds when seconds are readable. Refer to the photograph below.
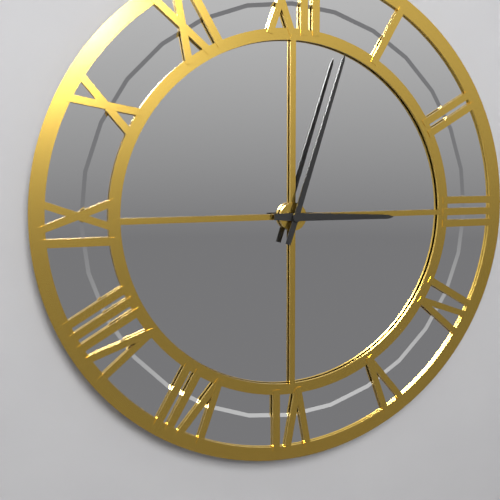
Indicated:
3,03
